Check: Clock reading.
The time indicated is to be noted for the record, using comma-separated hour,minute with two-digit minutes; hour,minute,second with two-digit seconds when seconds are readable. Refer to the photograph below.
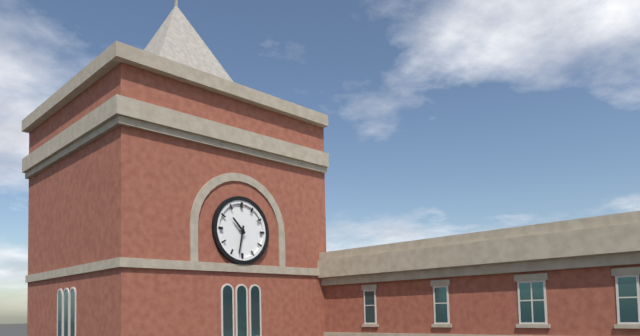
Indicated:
10,32
